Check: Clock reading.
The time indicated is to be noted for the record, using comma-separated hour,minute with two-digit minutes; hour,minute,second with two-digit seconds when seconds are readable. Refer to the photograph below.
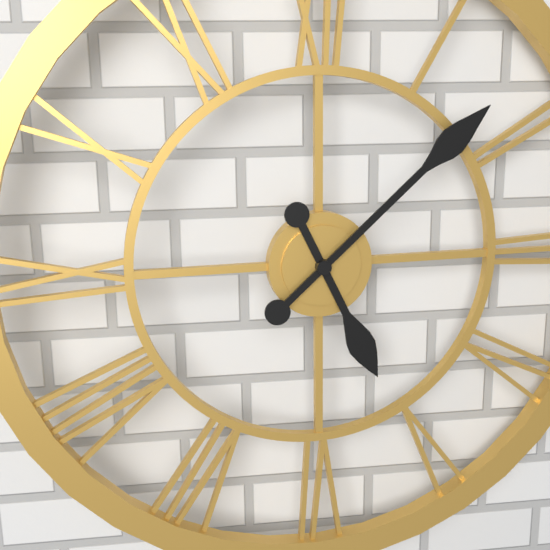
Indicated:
5,08
